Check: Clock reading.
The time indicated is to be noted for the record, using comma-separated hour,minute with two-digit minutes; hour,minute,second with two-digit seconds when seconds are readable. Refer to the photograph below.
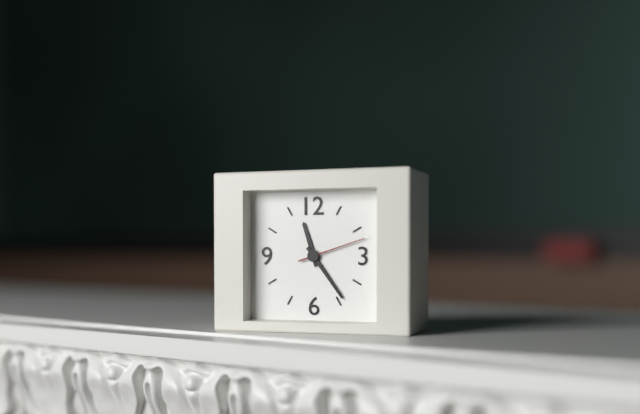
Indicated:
11,24,12
